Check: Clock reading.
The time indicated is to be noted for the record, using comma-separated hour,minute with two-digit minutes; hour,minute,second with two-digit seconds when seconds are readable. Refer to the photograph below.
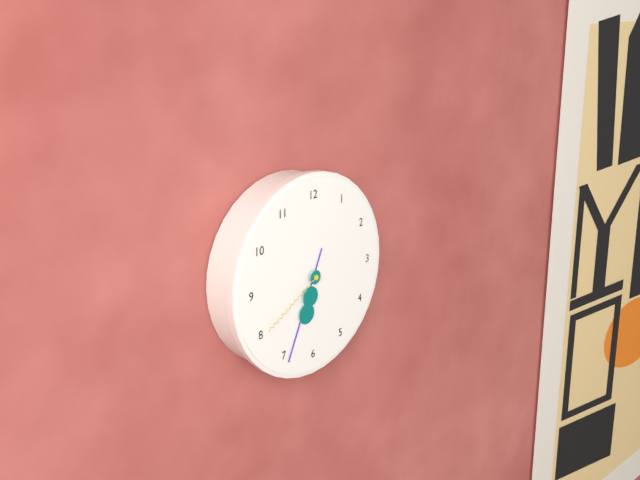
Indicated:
6,34,40
